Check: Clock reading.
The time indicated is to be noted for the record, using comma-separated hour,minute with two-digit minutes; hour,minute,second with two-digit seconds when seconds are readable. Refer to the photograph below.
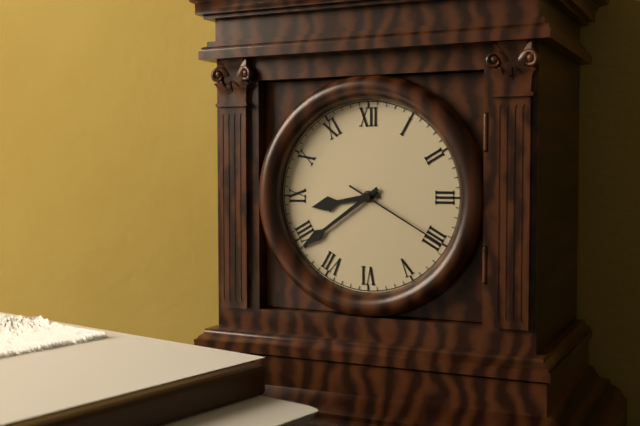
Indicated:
8,39,20
